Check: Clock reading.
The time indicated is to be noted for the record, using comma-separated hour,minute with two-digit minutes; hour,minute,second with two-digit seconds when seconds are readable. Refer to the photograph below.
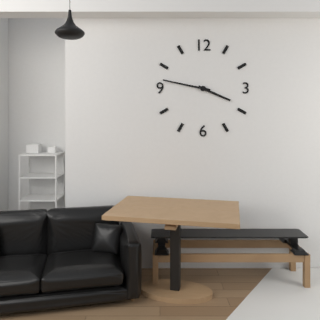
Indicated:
3,47
